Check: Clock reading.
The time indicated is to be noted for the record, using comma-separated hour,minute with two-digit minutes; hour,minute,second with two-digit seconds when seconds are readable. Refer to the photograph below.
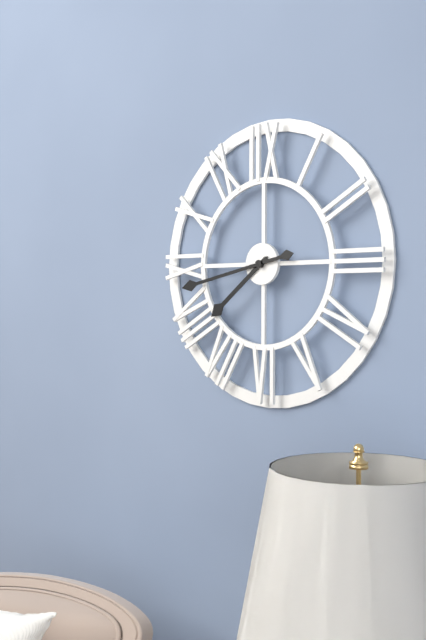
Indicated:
7,43
